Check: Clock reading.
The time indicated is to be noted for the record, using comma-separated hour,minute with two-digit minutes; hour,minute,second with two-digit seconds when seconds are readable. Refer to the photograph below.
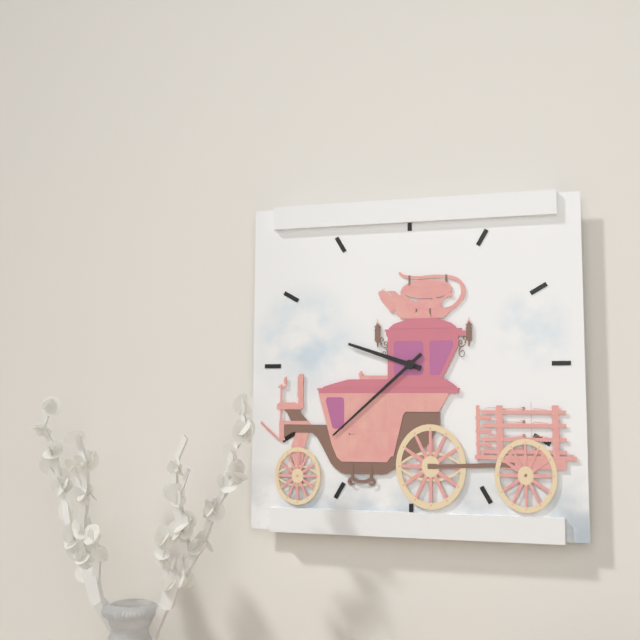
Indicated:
9,38
